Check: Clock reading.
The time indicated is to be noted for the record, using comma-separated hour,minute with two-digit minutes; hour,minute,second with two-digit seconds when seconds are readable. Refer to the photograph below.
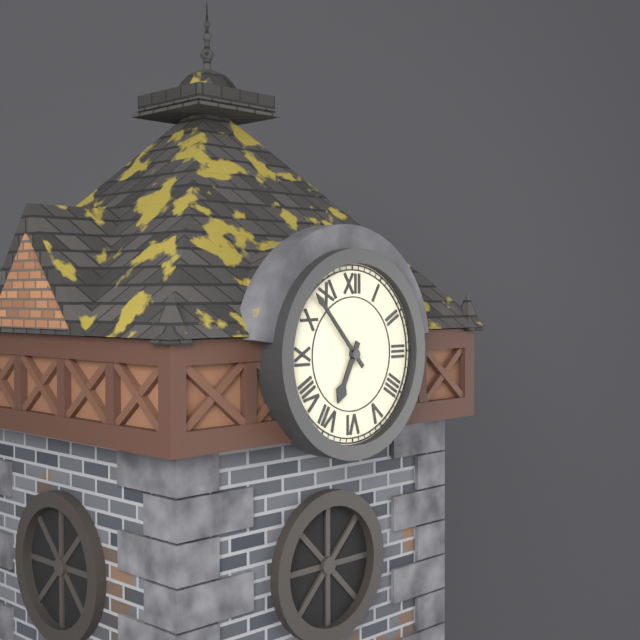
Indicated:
6,53
